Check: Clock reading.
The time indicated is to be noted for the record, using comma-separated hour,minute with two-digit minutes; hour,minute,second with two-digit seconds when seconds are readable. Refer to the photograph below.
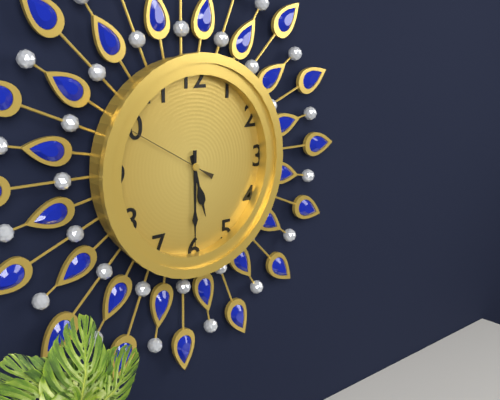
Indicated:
5,30,50
